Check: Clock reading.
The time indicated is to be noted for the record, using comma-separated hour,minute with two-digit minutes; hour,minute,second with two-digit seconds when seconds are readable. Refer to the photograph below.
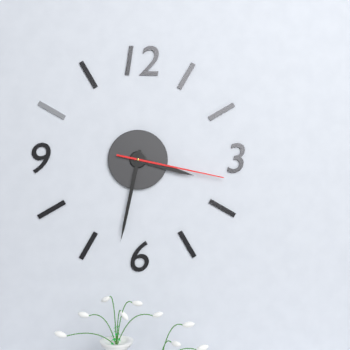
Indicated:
3,32,17
